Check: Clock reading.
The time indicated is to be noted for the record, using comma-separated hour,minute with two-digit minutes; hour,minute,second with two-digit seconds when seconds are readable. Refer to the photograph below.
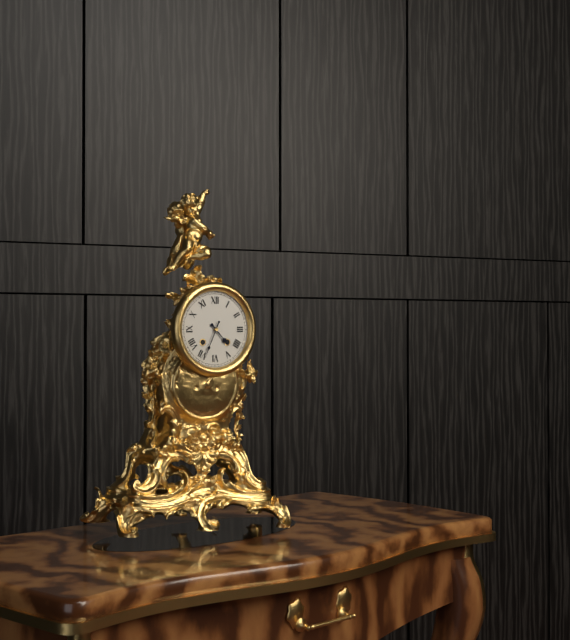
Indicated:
4,34
